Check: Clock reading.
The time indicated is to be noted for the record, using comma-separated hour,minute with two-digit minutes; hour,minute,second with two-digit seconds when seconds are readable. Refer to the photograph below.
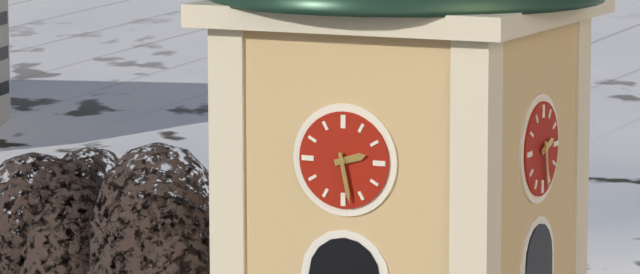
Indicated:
2,28
